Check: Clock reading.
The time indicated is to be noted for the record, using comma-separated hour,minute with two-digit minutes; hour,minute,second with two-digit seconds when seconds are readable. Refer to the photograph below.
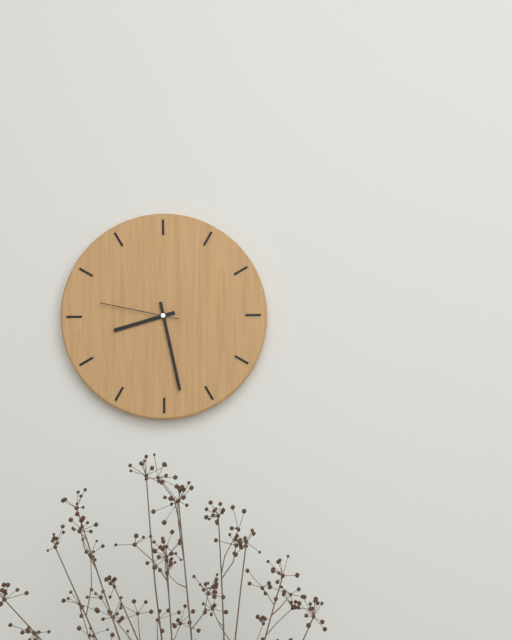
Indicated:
8,28,47
